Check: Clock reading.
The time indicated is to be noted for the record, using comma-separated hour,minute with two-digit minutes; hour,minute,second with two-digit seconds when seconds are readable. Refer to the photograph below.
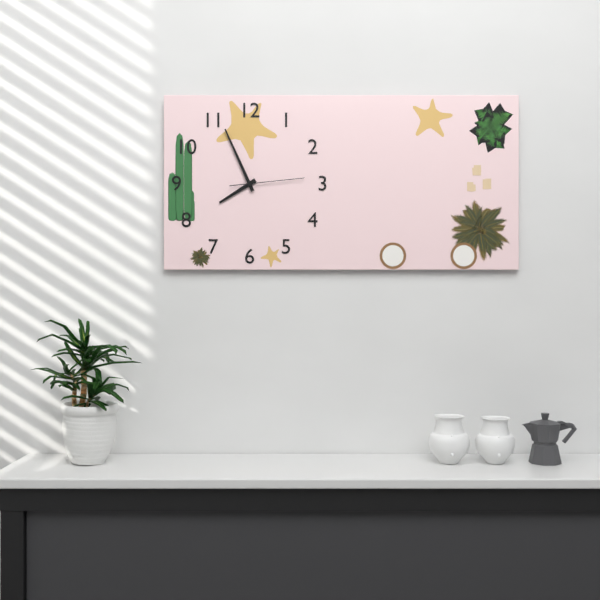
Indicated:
7,56,14
